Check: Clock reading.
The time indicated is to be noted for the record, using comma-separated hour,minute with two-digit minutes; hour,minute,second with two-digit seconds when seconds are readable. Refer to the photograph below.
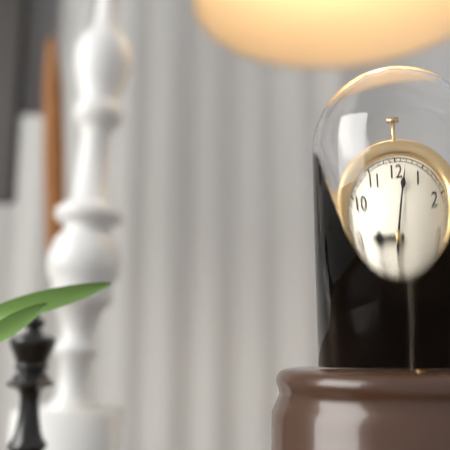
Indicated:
9,02
